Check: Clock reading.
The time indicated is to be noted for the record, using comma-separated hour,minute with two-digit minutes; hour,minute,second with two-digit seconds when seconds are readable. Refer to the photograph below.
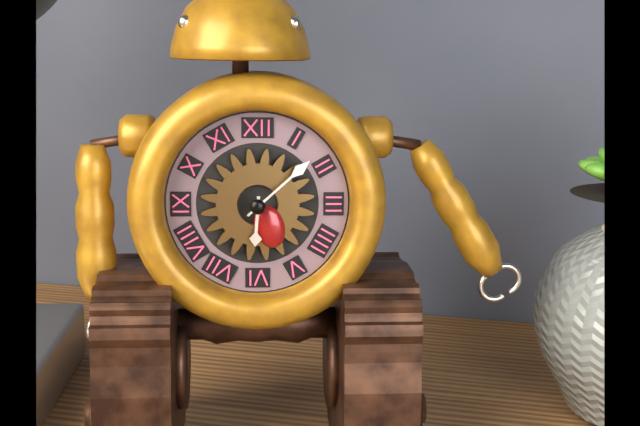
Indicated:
6,08
